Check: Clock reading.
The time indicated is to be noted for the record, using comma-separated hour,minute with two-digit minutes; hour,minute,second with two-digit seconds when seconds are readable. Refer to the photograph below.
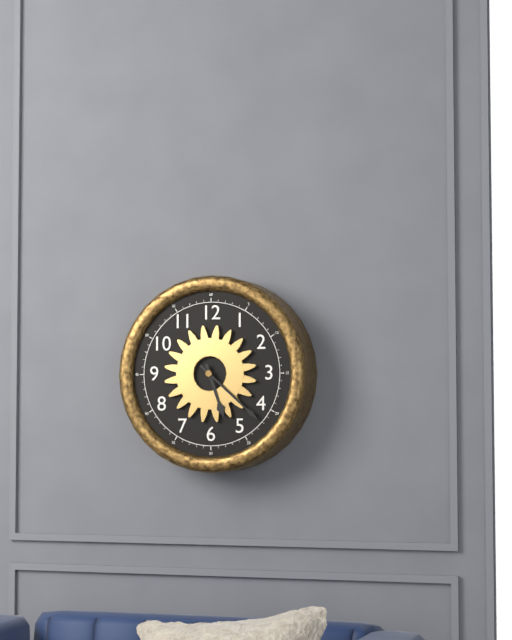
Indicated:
5,22
